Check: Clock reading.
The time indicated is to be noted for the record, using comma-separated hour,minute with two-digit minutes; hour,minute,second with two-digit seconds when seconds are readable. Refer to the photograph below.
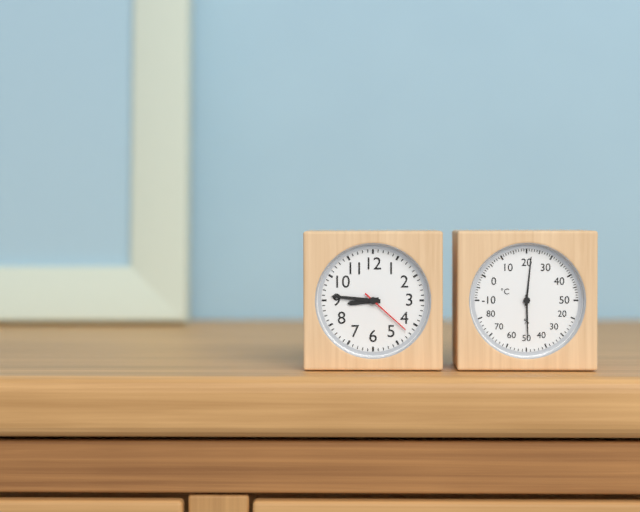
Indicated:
8,46,22
